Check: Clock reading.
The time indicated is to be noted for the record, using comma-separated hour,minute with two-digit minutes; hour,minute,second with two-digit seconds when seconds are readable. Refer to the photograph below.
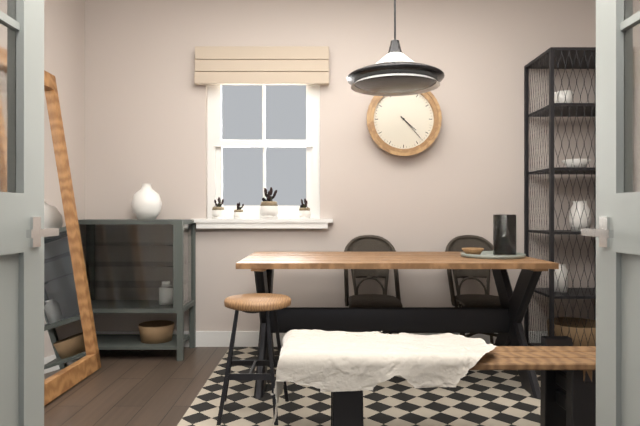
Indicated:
4,23
